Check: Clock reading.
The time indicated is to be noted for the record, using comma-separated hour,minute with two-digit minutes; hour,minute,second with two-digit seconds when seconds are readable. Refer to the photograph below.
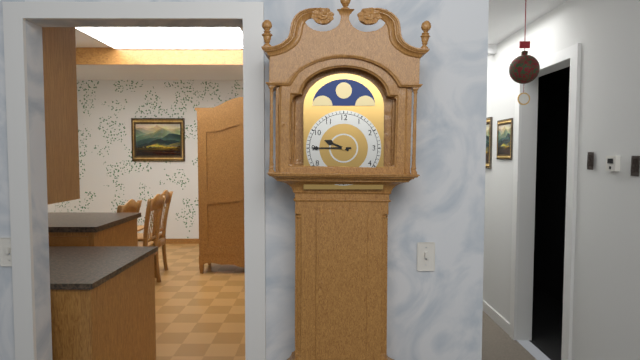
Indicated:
9,45
